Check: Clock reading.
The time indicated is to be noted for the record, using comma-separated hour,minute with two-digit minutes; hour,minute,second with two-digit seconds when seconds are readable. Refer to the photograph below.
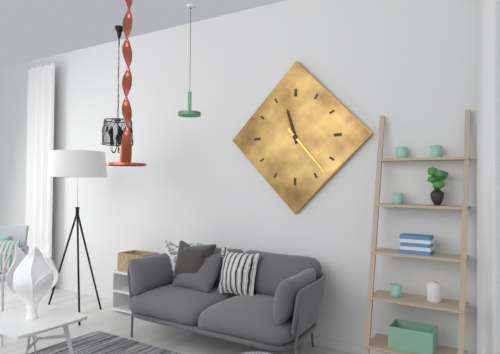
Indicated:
11,23
